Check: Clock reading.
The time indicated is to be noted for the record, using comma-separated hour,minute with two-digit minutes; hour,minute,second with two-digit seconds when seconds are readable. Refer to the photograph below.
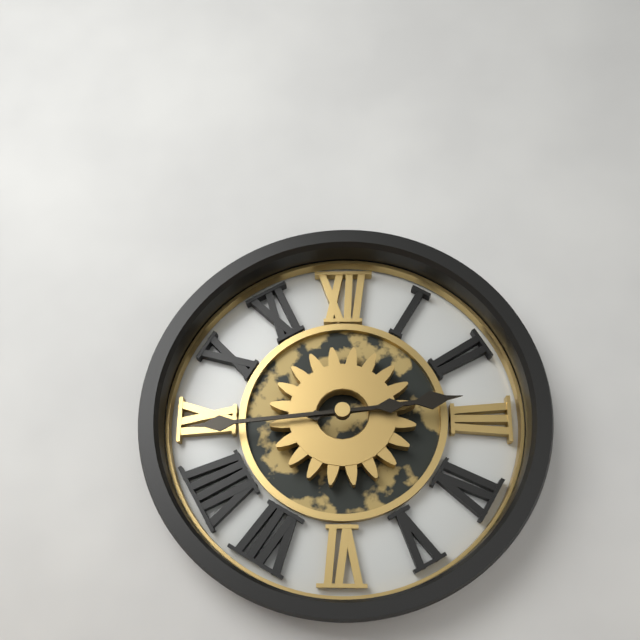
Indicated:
2,44
